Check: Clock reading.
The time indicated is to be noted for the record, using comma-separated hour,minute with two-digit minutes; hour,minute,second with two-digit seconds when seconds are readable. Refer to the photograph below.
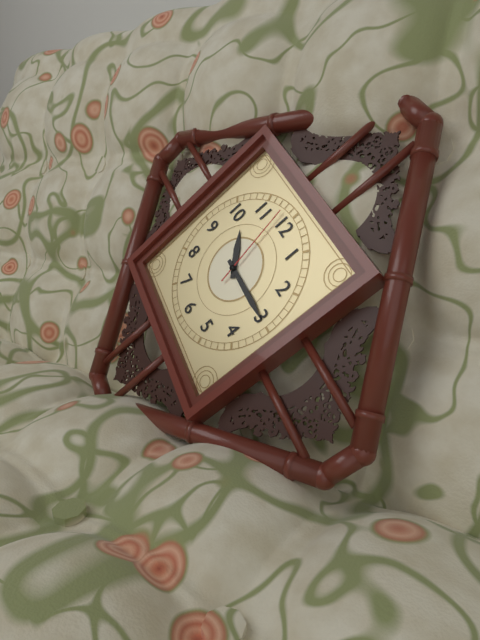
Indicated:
10,15,58
